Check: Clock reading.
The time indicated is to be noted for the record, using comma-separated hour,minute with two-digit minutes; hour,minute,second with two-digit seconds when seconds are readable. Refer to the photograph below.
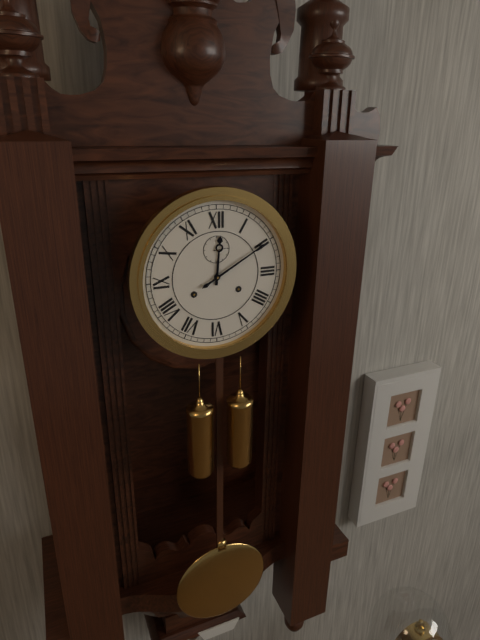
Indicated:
12,10
